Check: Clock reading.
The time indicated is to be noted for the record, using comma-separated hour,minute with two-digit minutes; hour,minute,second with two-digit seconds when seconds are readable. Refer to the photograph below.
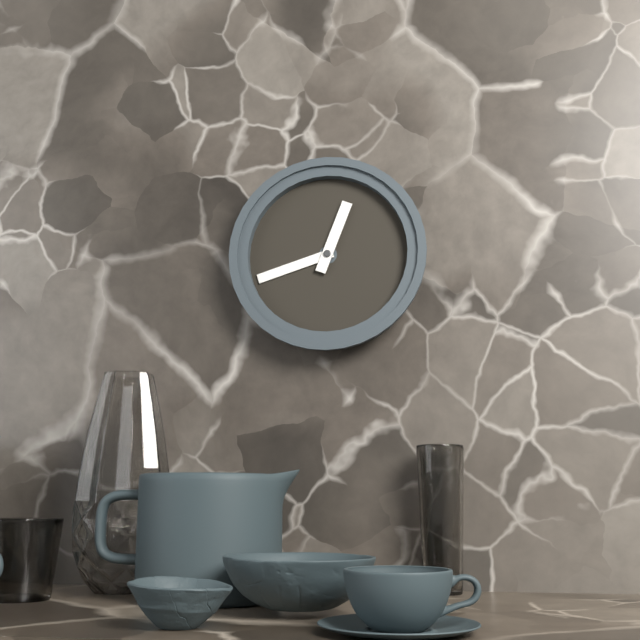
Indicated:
12,42
